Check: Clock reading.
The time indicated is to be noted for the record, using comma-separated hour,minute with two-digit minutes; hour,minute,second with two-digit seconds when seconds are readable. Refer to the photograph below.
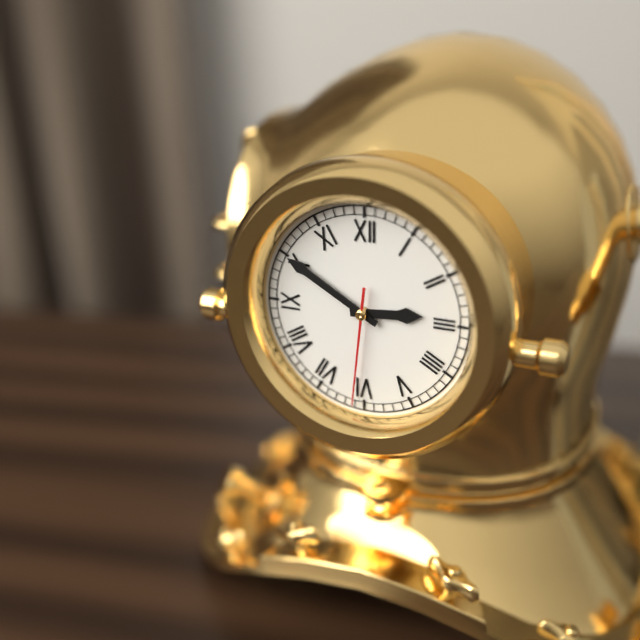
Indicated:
2,50,31
